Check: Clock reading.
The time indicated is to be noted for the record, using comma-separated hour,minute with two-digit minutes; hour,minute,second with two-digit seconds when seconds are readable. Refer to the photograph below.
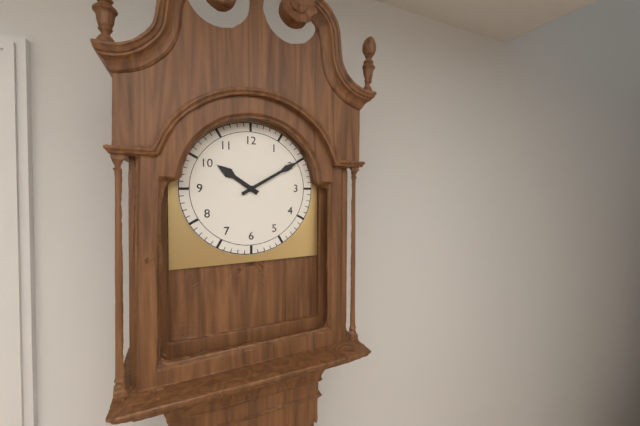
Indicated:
10,10
